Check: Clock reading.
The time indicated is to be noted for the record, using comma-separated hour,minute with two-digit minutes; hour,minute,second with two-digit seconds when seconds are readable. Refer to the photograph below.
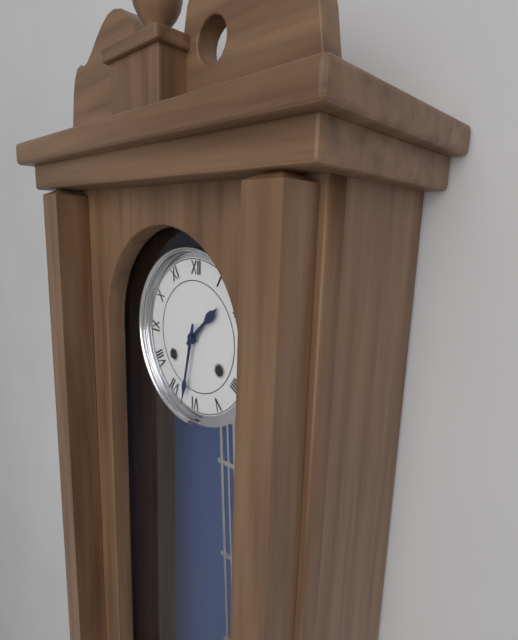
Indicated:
1,32
